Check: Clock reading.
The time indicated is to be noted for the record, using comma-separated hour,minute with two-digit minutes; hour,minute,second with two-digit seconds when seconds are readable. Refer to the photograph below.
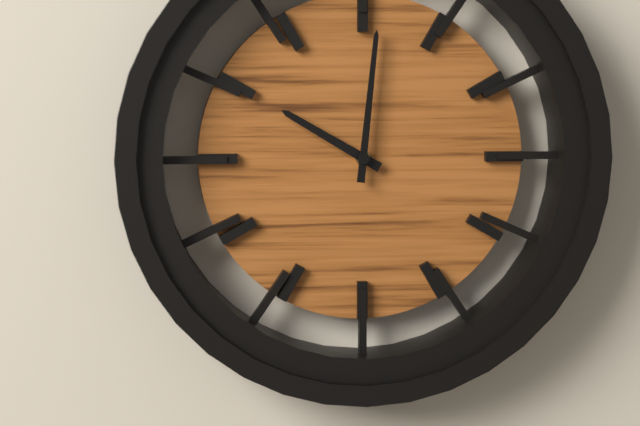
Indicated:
10,01
